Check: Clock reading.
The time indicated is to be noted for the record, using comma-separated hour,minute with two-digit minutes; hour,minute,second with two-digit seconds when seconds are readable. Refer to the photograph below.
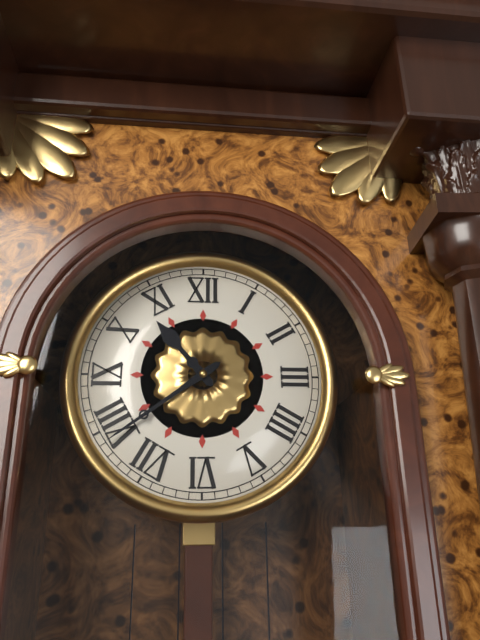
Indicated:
10,39
